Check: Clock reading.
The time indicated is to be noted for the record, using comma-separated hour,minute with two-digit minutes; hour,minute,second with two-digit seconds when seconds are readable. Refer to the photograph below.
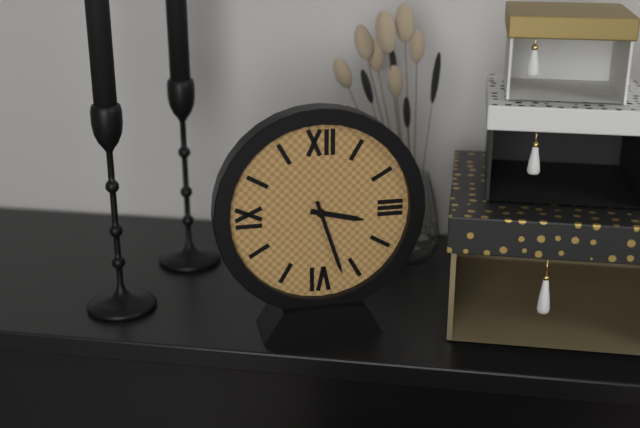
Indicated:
3,27
